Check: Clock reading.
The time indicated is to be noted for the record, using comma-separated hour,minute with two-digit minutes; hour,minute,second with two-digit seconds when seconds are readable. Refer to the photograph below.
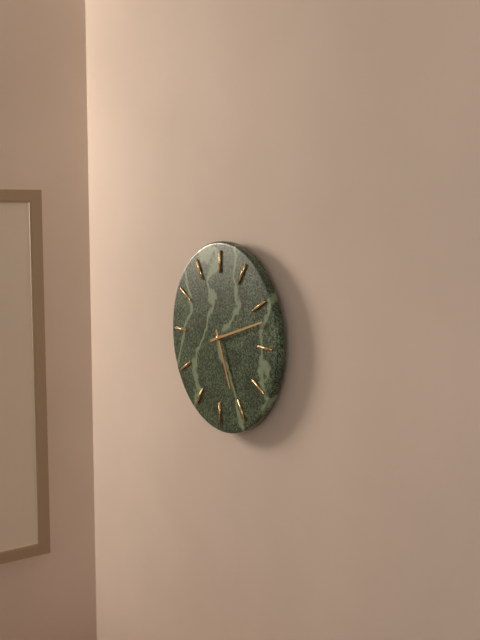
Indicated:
5,12
